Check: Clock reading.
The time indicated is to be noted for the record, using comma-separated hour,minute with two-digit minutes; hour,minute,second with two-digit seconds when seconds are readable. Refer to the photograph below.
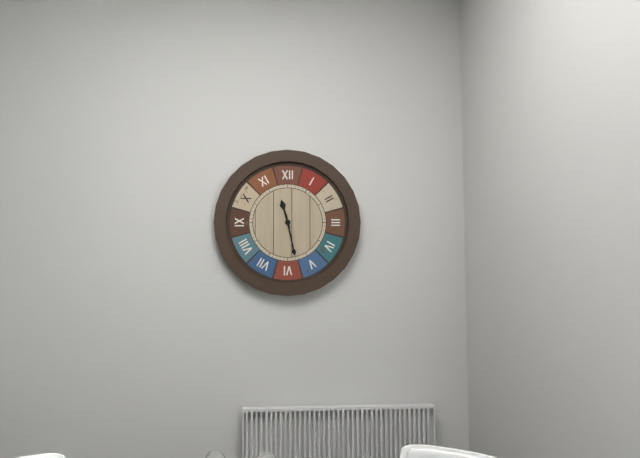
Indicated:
11,28
